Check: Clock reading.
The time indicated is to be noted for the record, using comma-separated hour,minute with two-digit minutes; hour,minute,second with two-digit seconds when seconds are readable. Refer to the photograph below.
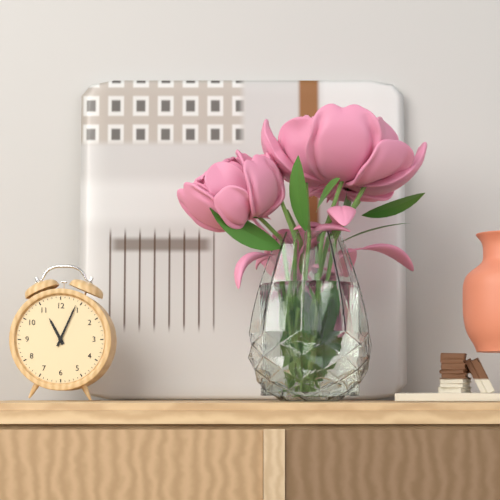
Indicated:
11,04
